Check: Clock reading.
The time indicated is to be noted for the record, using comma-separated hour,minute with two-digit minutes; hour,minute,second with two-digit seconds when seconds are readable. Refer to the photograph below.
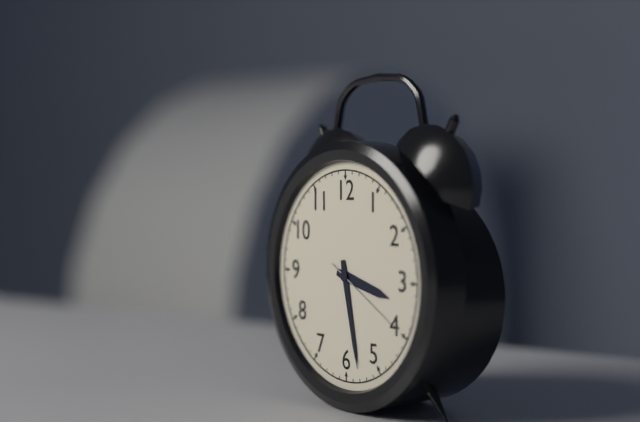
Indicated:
3,28,20
